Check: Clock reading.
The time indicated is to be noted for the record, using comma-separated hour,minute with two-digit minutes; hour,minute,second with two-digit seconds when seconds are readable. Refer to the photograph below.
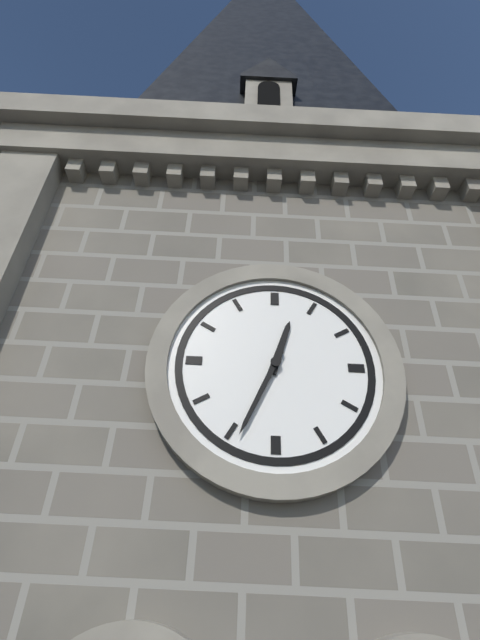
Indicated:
12,34
